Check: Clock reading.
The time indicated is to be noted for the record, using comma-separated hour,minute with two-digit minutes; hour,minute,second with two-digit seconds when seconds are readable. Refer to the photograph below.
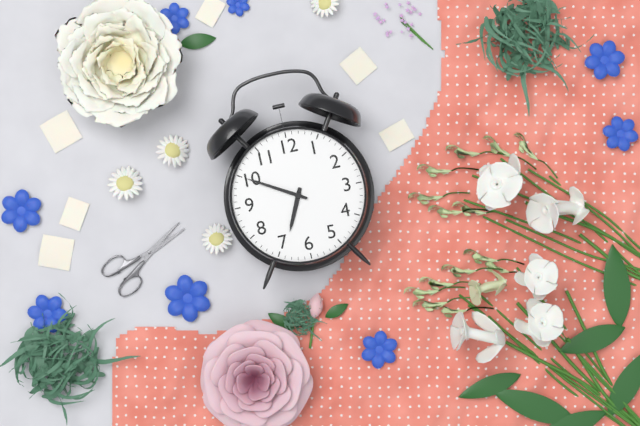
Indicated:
6,50
